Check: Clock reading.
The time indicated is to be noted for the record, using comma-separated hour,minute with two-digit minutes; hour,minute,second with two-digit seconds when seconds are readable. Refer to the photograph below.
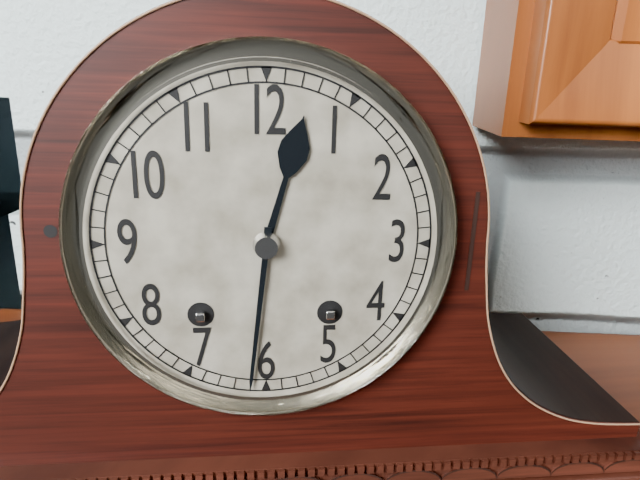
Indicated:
12,31
